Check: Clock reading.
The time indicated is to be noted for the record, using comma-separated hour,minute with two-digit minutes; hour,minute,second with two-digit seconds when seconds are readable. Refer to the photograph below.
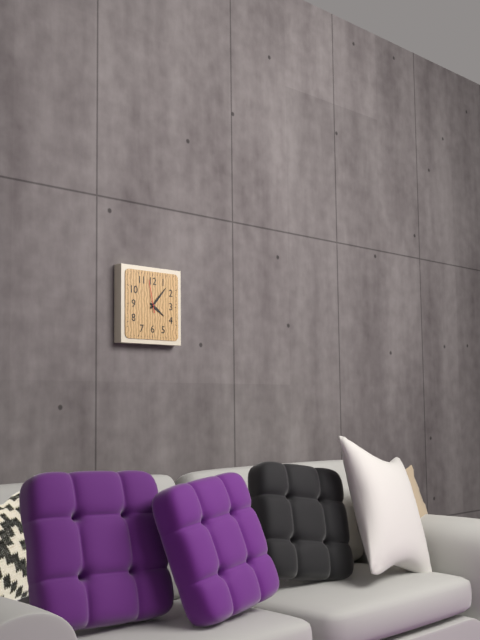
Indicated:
4,07
